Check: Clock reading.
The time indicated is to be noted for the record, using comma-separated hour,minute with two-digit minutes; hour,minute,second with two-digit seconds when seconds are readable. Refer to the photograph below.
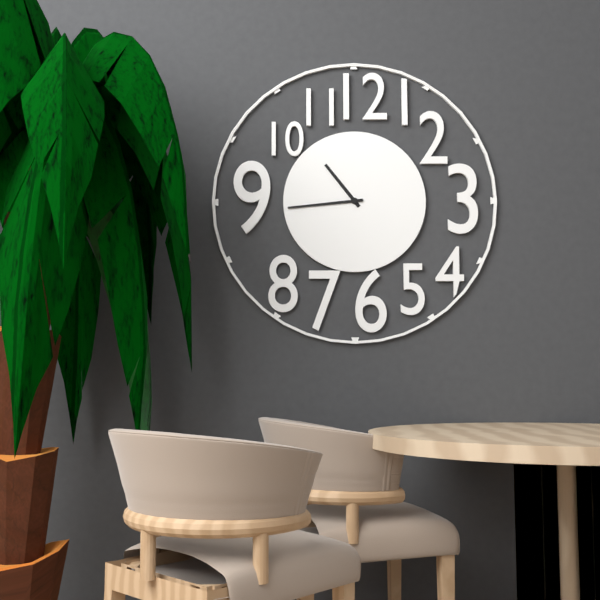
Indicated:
10,44
